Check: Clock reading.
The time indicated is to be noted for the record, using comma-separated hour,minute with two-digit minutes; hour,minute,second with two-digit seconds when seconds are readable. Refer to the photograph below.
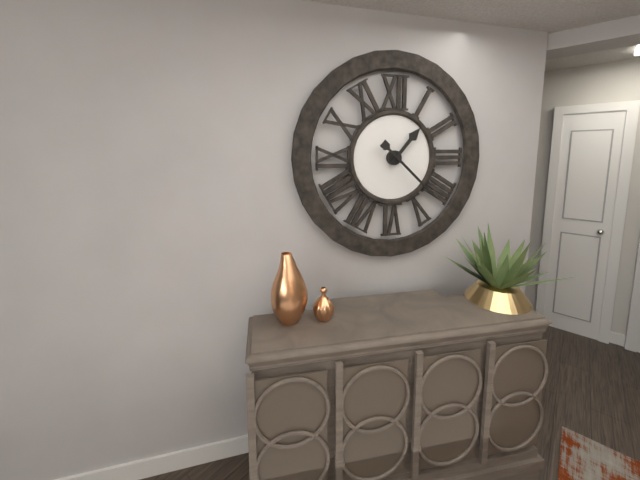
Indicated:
1,22
